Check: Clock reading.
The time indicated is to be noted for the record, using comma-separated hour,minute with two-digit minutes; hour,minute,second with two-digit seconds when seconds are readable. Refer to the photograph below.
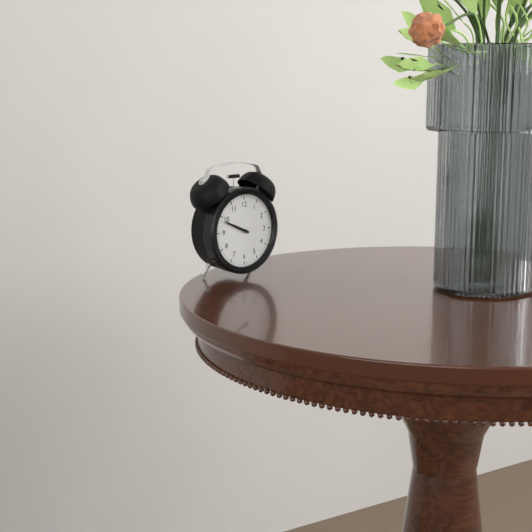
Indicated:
9,49
